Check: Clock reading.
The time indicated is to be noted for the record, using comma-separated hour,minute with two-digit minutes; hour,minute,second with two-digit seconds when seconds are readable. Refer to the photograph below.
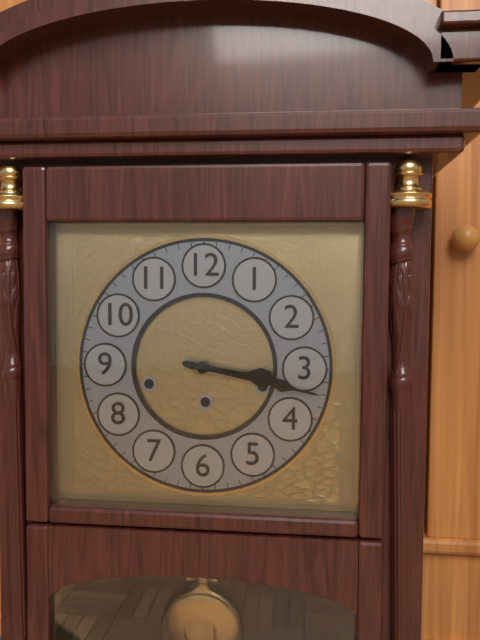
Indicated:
3,17
